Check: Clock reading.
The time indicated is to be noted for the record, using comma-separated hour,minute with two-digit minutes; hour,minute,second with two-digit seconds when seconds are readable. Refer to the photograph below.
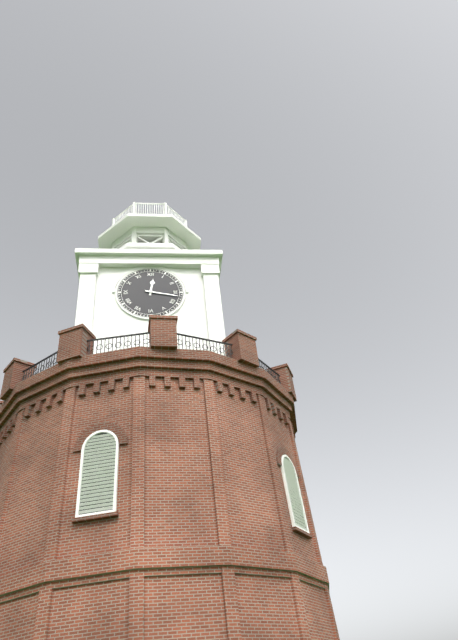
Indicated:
12,17
